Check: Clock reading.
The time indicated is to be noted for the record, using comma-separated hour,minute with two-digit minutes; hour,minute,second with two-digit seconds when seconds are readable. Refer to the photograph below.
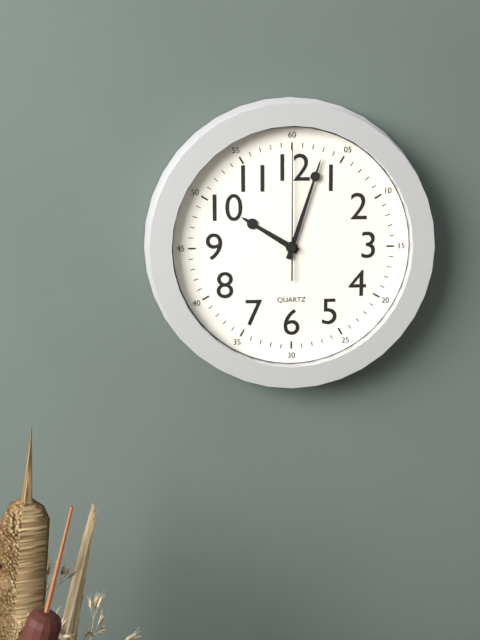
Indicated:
10,03,00
